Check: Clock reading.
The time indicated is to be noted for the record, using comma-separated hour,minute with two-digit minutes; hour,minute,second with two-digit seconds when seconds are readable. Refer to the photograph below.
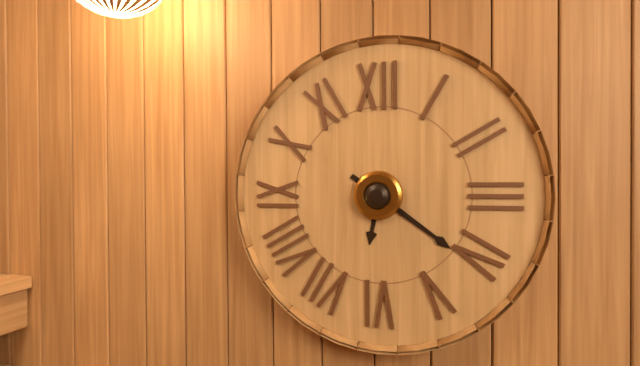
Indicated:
6,21
